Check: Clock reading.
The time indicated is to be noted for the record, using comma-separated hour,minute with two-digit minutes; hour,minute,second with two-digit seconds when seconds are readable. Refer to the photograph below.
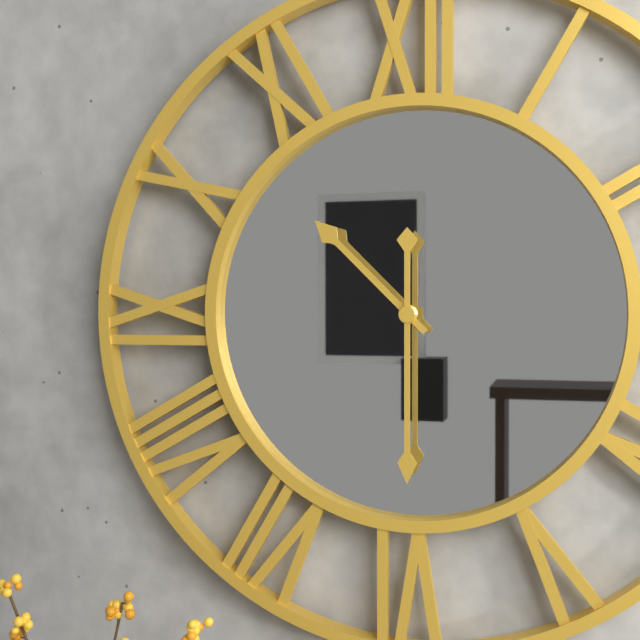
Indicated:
10,30
